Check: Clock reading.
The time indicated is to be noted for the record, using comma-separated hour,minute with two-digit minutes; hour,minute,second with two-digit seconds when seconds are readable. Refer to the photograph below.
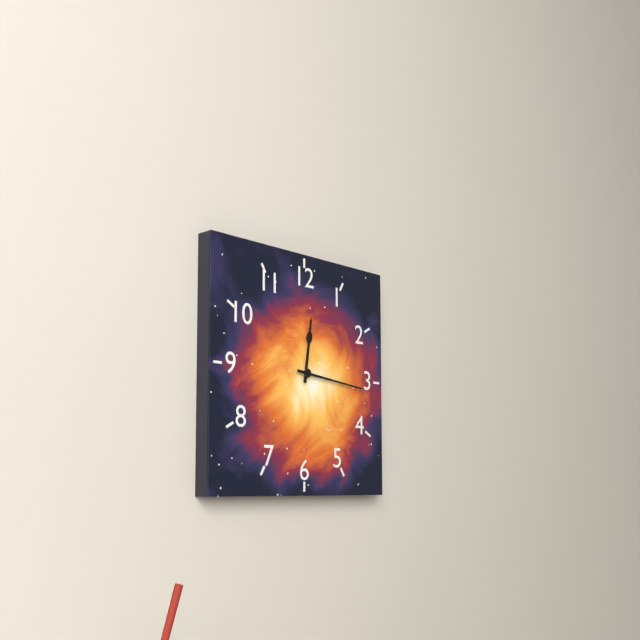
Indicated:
12,16
